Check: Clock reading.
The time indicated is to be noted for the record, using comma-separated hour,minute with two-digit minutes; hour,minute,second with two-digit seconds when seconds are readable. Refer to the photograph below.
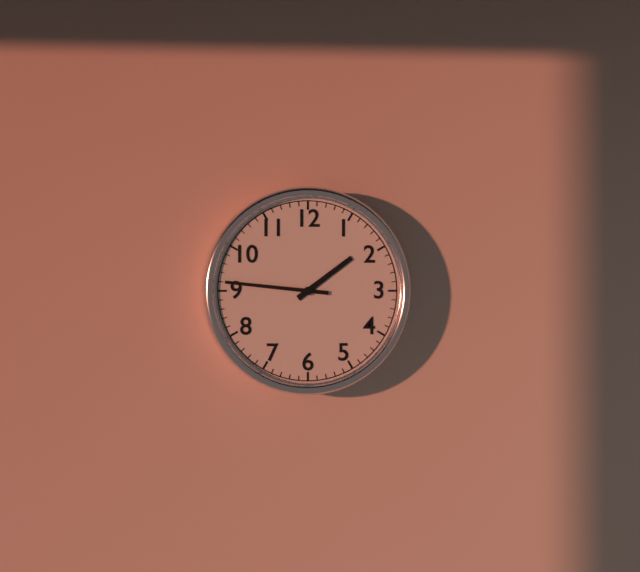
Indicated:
1,46
